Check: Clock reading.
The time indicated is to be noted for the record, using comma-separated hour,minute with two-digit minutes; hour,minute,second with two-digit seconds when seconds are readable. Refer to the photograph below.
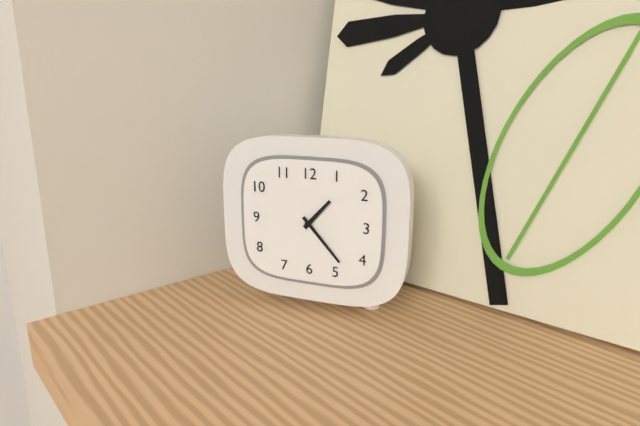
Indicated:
1,23
